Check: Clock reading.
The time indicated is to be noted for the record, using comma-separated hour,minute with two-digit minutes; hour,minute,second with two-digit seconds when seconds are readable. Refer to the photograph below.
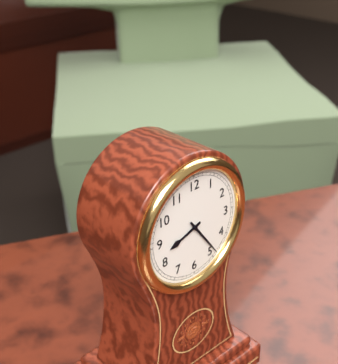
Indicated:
8,24
